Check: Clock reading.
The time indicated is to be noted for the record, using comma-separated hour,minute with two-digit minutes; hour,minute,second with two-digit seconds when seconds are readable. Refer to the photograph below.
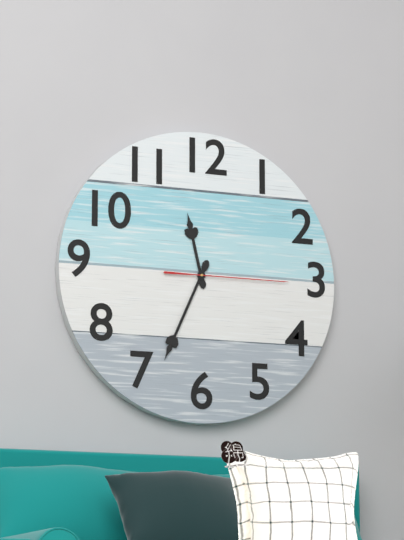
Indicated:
11,34,15
